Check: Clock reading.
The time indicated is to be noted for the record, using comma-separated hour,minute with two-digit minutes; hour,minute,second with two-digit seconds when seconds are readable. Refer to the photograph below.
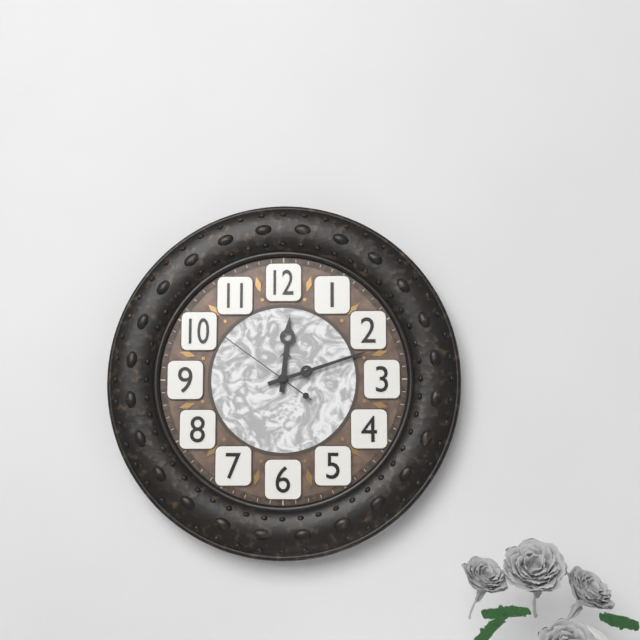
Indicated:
12,12,51
